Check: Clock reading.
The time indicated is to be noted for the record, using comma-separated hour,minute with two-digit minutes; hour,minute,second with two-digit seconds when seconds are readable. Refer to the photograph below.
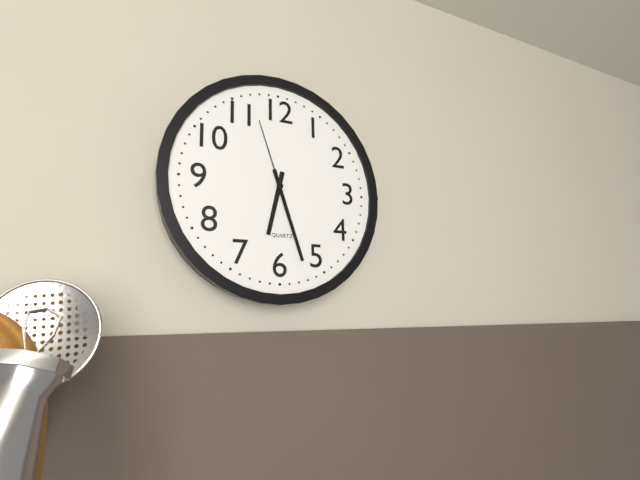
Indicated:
6,27,57
